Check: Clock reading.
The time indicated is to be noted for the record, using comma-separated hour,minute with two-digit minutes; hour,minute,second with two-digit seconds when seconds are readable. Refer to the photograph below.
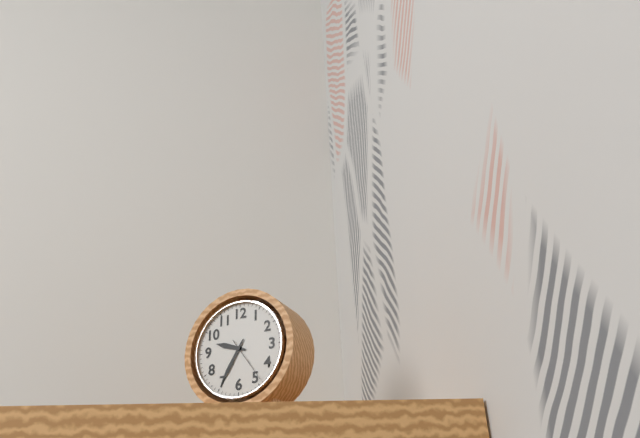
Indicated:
9,35
